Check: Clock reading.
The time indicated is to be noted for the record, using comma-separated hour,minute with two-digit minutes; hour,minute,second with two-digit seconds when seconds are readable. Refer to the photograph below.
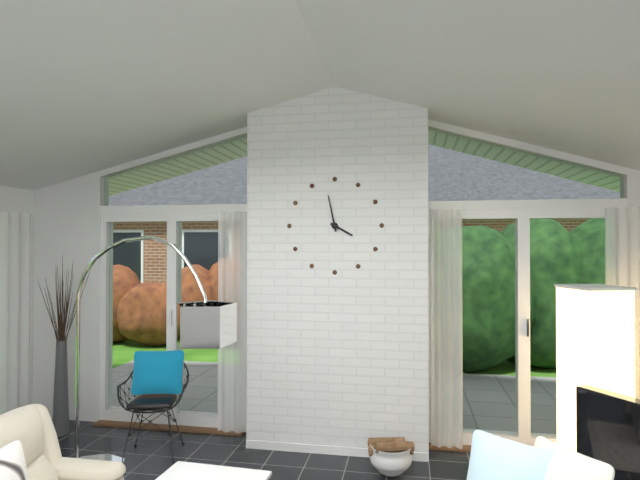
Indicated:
3,58
